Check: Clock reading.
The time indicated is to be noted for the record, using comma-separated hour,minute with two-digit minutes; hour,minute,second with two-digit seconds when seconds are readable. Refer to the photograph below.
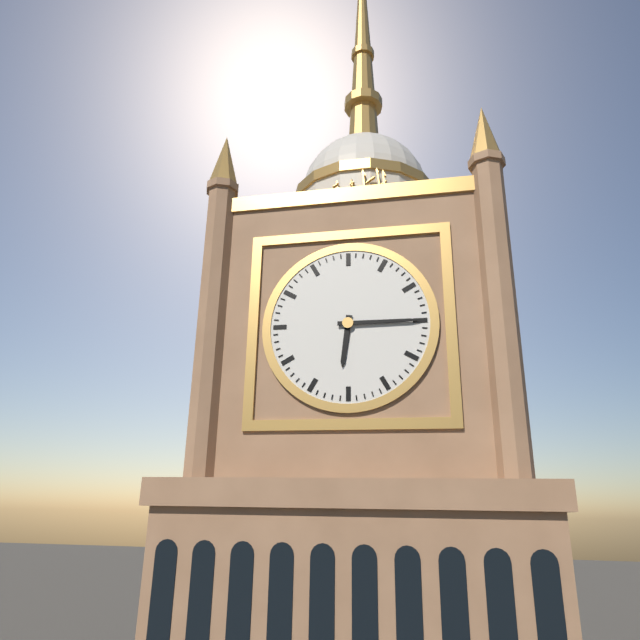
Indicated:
6,15
